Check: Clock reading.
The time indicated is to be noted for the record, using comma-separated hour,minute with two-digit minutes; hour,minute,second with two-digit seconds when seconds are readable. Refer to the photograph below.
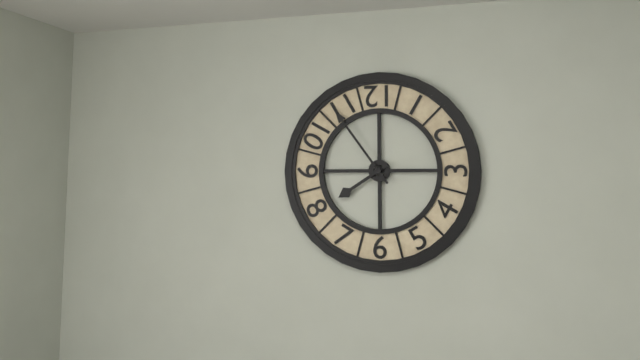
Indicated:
7,54
